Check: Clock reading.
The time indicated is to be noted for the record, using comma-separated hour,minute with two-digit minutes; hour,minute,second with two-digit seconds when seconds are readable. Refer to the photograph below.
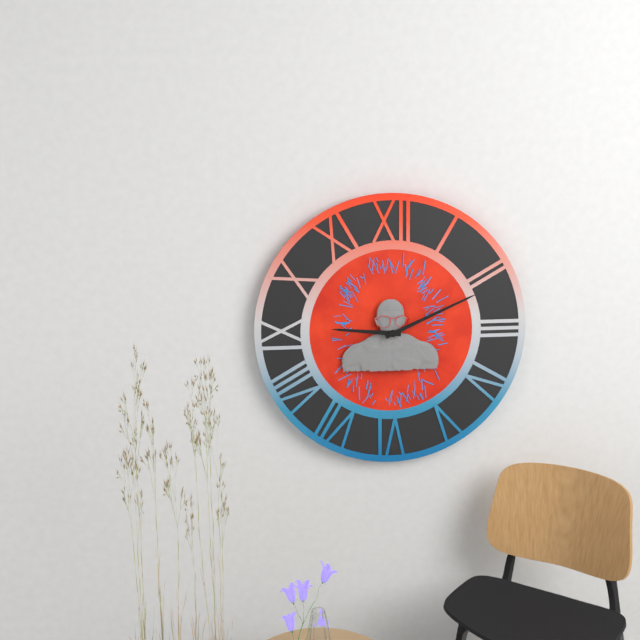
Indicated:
9,11
